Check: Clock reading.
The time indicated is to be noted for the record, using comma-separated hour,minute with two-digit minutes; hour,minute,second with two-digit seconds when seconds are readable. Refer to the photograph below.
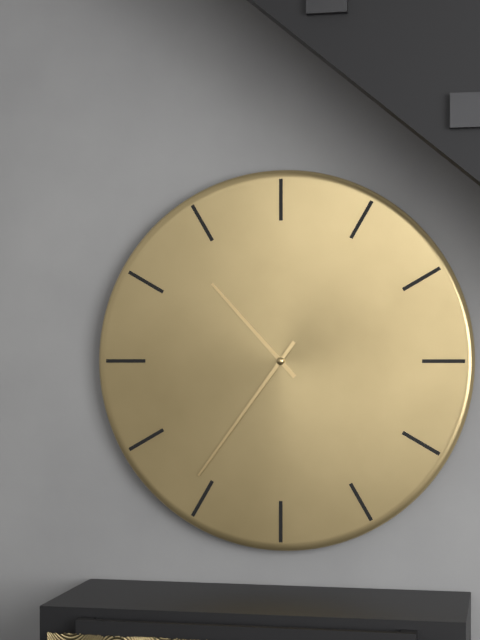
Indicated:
10,36
